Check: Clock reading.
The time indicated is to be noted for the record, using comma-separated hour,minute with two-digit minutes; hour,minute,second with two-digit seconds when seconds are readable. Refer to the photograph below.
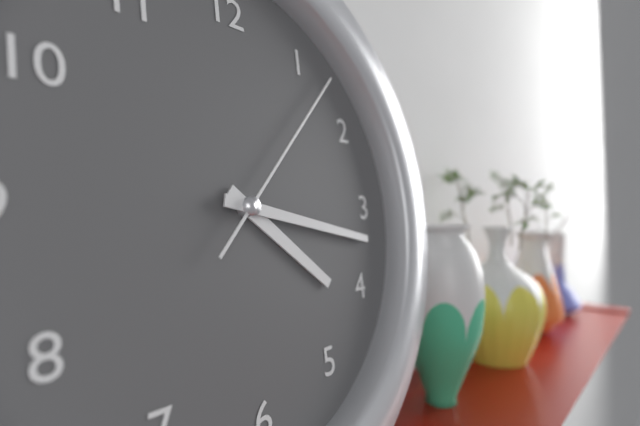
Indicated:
4,17,07
